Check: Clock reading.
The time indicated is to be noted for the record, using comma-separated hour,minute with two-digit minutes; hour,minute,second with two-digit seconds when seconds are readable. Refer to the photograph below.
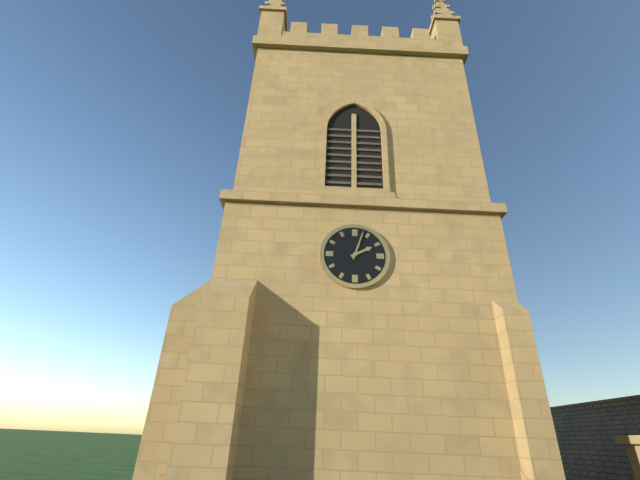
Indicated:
2,03
